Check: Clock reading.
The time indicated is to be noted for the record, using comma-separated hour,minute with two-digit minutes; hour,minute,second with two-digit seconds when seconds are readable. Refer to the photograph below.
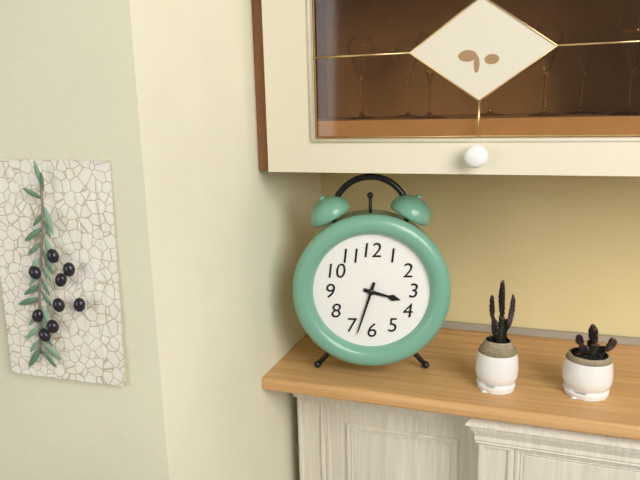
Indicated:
3,33
